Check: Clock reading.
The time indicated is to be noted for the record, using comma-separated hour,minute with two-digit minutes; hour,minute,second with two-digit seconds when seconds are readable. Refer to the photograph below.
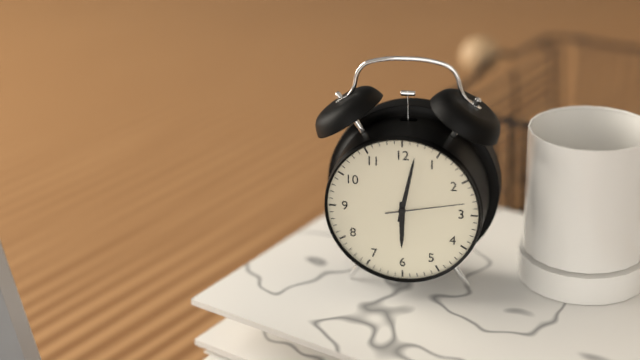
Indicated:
6,02,13
